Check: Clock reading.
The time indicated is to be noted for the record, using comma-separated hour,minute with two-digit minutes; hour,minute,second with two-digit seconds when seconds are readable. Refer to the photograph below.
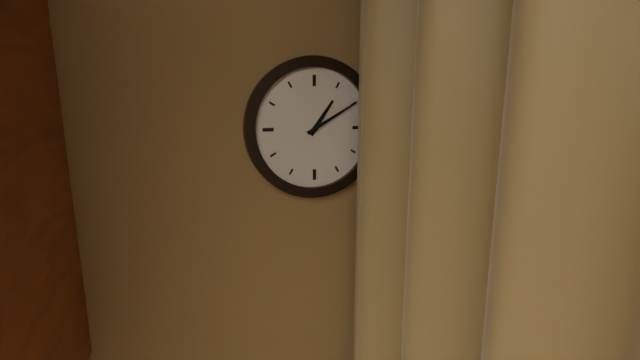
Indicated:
1,10
